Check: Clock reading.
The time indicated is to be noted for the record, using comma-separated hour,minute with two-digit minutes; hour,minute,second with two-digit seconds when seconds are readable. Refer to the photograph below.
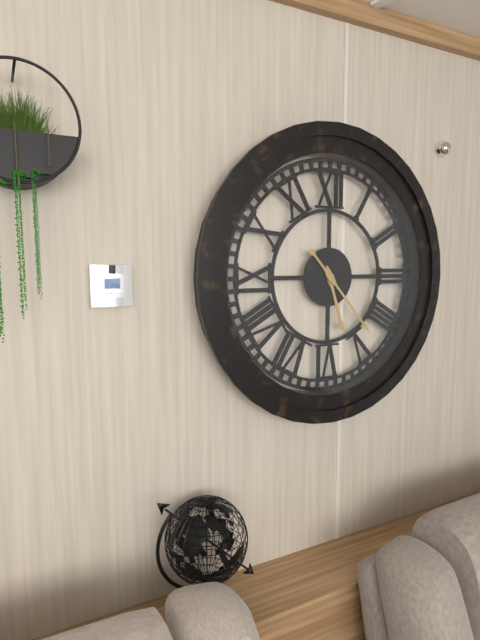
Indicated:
5,23
